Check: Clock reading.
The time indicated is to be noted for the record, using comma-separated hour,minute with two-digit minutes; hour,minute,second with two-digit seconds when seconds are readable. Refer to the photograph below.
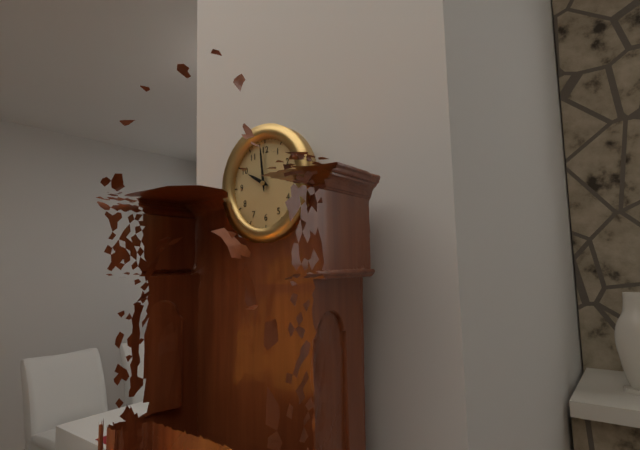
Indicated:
9,59
